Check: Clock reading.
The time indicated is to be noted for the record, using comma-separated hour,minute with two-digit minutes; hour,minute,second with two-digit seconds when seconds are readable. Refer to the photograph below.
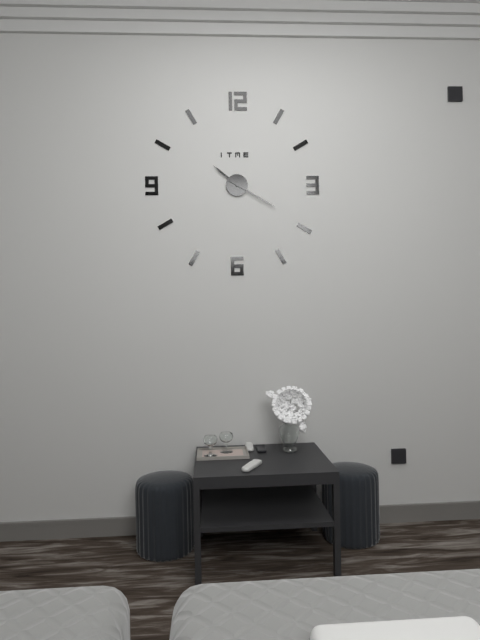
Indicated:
10,20
